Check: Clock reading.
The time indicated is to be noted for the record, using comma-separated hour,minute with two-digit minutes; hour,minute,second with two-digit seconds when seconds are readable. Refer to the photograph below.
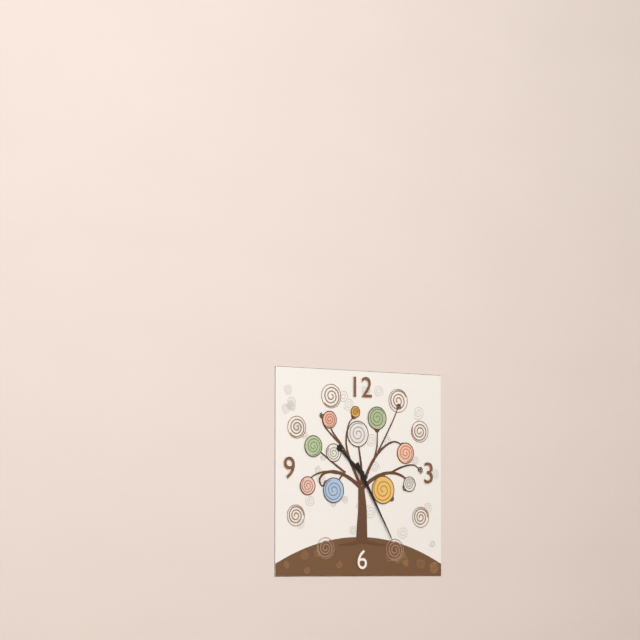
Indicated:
10,25
